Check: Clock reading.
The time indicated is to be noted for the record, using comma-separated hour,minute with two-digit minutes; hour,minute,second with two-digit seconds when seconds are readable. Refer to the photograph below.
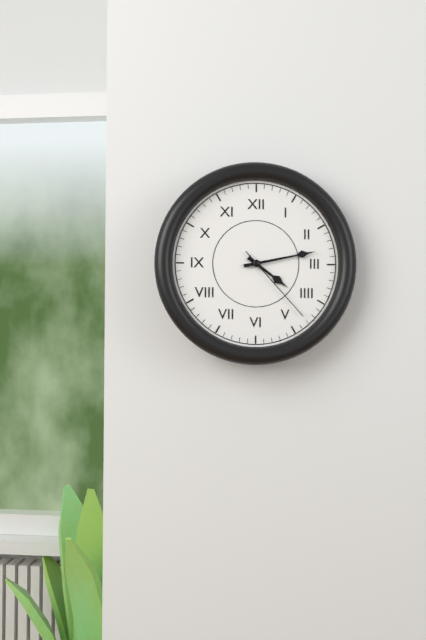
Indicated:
4,13,23
